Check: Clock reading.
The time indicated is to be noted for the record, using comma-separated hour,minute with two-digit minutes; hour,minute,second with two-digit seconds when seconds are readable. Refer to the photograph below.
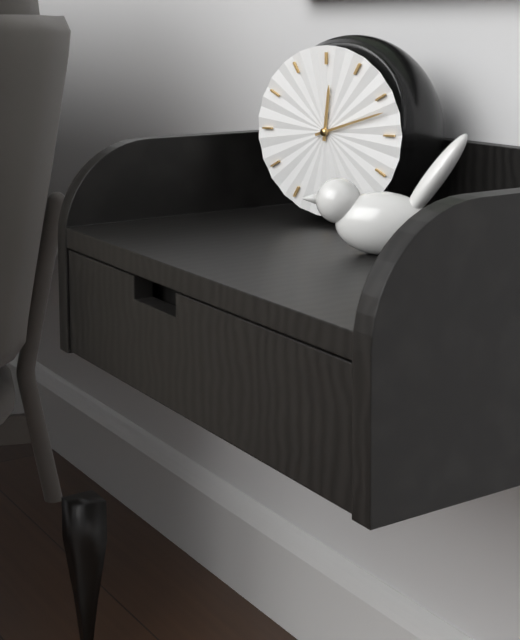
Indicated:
12,12
